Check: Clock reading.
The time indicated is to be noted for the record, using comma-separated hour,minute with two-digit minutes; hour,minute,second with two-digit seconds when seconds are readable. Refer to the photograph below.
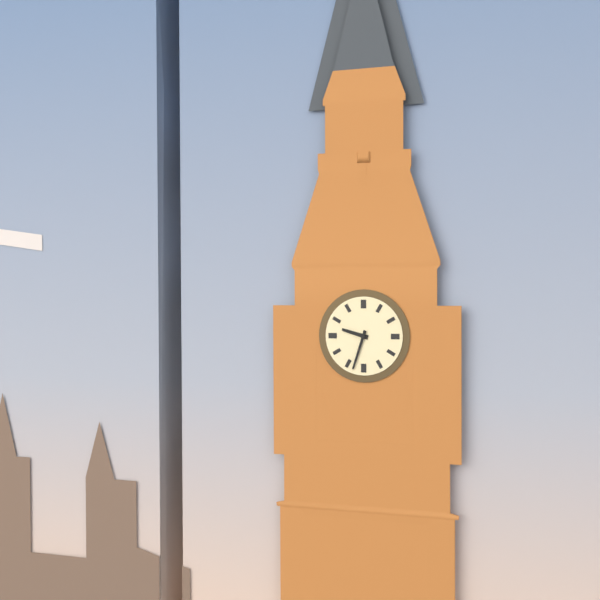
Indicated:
9,33
